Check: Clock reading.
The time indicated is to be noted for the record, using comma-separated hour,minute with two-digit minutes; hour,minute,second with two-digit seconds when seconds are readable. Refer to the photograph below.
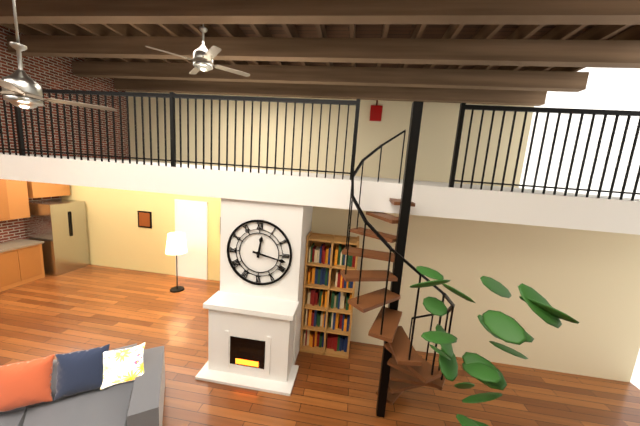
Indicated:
12,17
